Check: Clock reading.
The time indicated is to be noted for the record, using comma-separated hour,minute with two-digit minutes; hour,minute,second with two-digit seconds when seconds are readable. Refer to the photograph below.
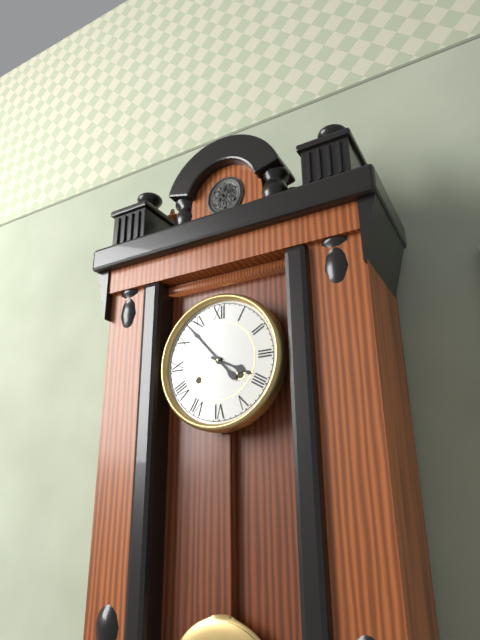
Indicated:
3,53
